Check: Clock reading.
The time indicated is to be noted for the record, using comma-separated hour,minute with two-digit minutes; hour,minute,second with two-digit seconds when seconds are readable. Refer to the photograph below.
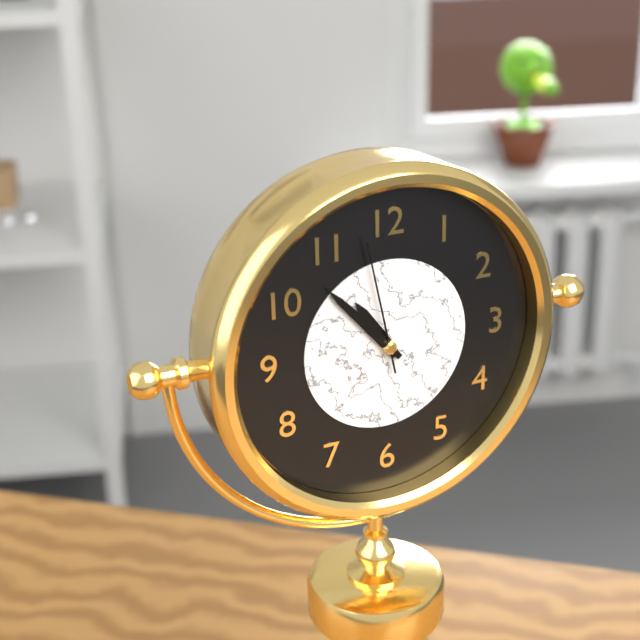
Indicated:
10,53,58
